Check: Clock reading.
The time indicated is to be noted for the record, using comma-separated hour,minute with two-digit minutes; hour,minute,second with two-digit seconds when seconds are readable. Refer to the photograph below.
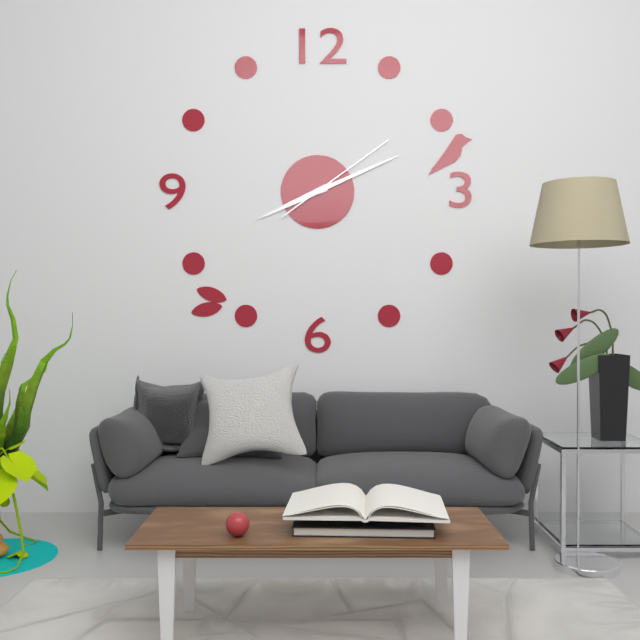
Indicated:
8,11,09
